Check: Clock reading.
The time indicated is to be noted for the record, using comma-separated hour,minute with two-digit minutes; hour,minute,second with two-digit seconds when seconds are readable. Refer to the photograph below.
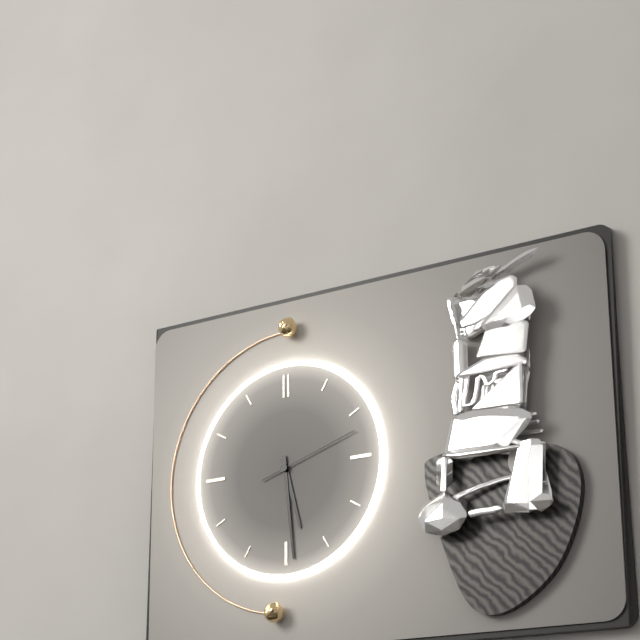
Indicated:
5,29,12
